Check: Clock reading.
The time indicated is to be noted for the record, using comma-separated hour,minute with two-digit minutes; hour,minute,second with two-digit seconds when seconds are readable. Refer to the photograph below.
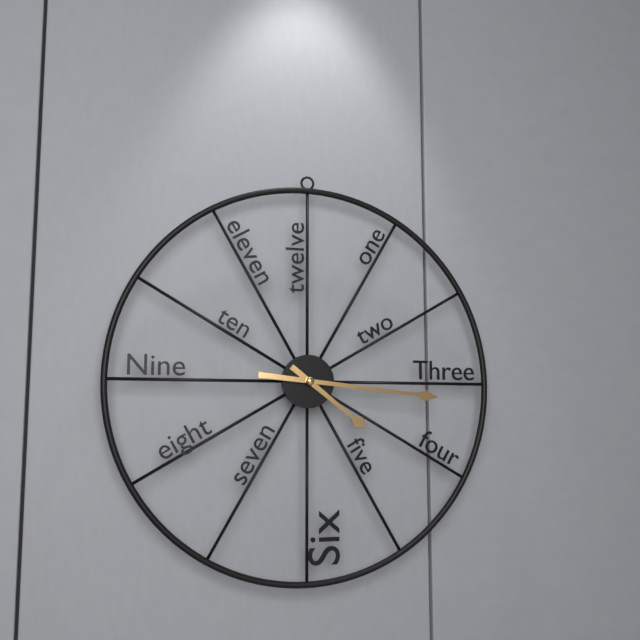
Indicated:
4,16
